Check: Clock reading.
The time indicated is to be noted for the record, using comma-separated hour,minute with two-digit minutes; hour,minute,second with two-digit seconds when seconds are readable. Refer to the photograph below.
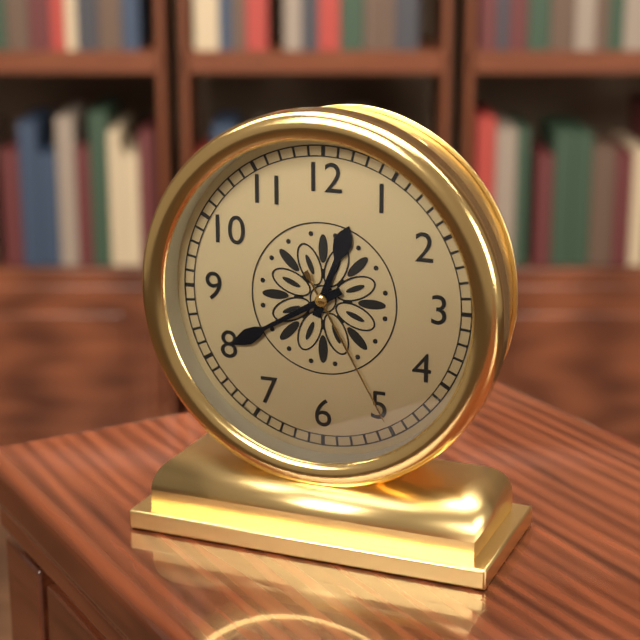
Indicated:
12,40,25
